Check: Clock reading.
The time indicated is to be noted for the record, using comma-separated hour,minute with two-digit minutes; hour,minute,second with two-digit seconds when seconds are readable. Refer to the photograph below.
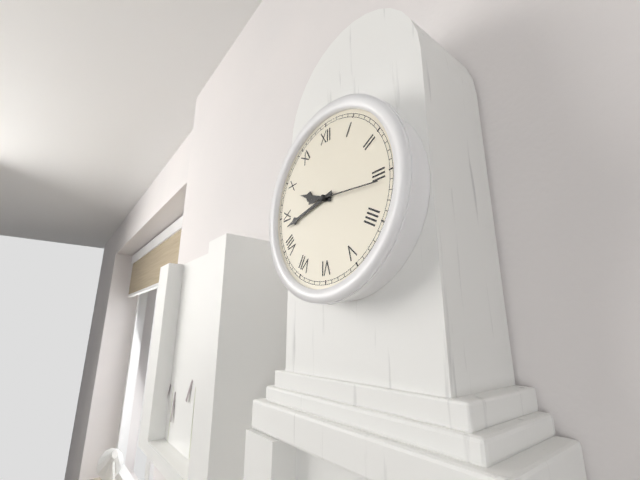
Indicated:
9,43,16
